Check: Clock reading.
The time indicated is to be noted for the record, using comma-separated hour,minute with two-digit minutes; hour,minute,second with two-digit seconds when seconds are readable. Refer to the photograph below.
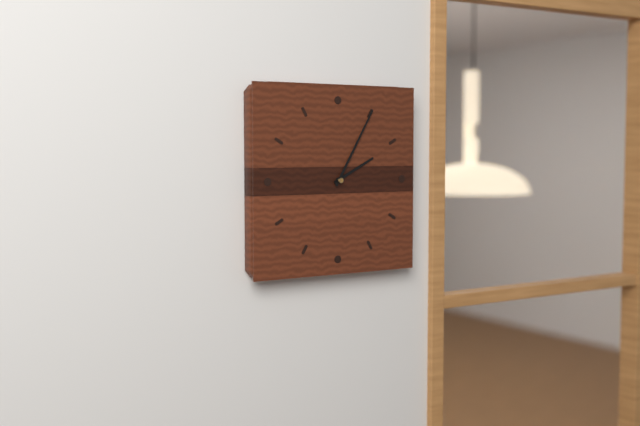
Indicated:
2,05
